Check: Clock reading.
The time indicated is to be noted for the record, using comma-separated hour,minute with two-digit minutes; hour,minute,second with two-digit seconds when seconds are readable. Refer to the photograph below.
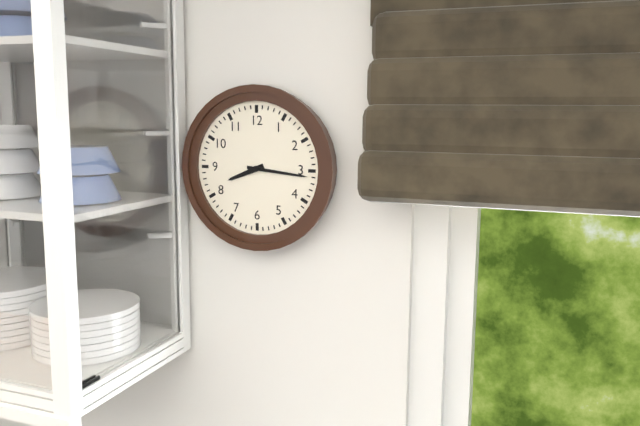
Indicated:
8,16
